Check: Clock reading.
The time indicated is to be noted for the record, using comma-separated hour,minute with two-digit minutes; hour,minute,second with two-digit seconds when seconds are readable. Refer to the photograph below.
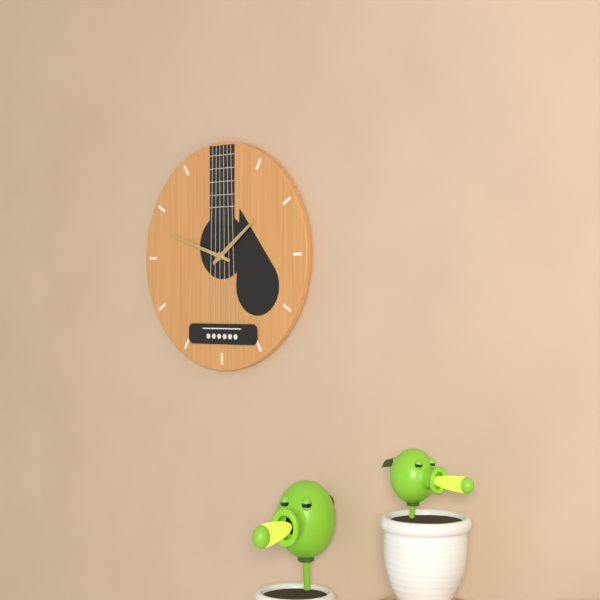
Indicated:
1,48
